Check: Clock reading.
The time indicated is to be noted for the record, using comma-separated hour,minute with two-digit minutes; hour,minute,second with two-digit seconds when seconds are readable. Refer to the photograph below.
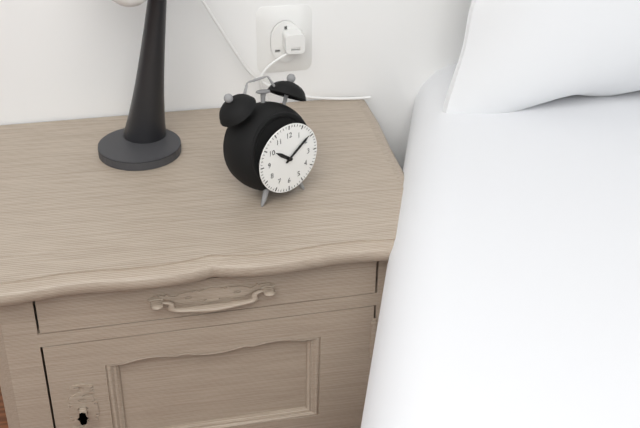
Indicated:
10,09
